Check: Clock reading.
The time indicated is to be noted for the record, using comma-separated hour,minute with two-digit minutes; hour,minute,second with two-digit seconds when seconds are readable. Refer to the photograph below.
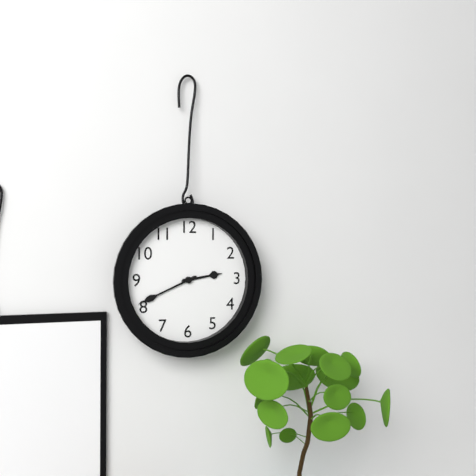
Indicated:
2,41
